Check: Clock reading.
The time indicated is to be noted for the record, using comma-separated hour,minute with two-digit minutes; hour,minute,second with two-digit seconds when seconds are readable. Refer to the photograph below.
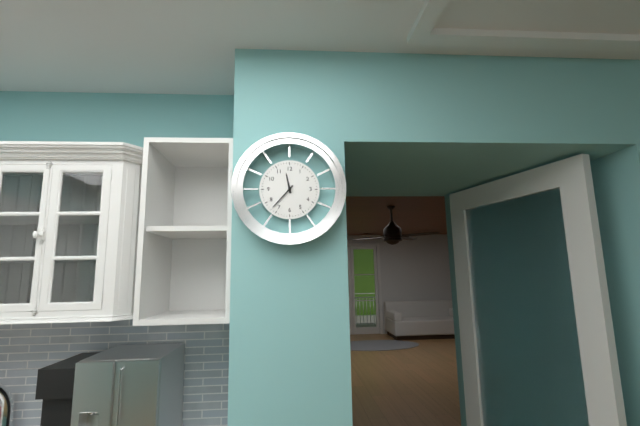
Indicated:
11,37
